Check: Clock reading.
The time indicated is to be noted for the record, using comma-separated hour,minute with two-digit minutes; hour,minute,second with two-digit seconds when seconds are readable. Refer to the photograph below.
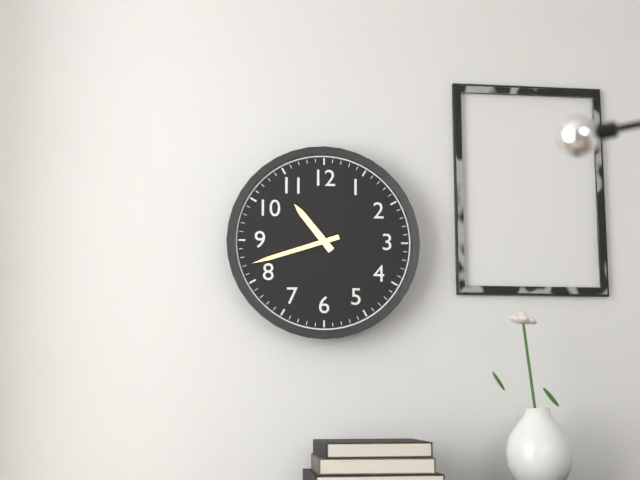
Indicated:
10,42
